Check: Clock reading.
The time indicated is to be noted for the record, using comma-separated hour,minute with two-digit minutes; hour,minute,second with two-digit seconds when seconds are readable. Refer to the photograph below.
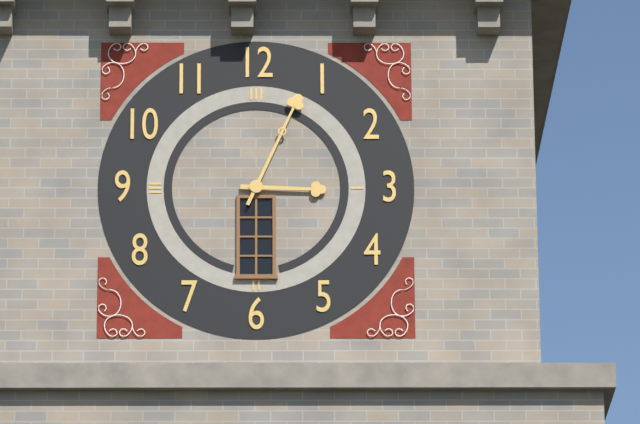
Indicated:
3,04
